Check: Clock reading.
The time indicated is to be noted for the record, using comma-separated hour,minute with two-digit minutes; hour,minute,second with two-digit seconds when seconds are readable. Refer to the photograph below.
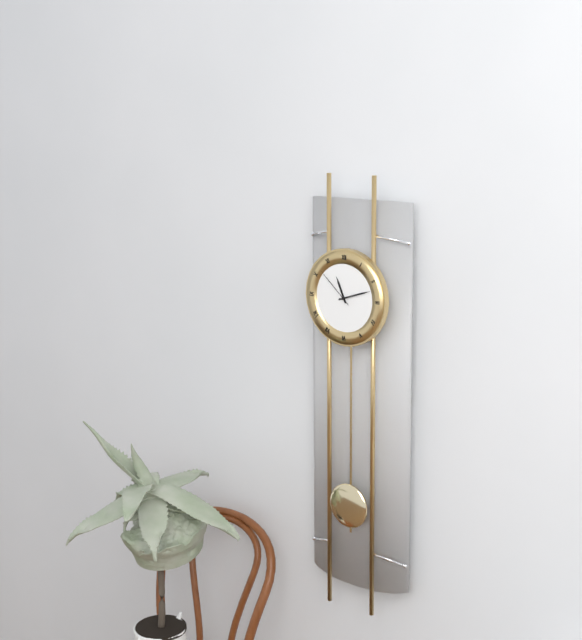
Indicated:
11,12
